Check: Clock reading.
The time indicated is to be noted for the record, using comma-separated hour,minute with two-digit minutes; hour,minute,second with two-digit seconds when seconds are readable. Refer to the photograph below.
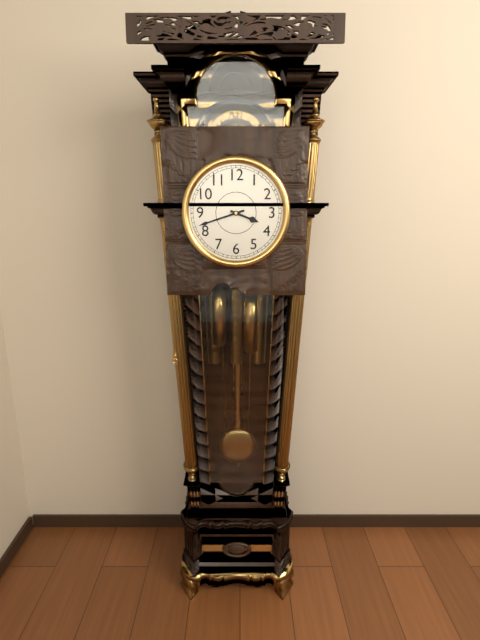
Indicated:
3,42
